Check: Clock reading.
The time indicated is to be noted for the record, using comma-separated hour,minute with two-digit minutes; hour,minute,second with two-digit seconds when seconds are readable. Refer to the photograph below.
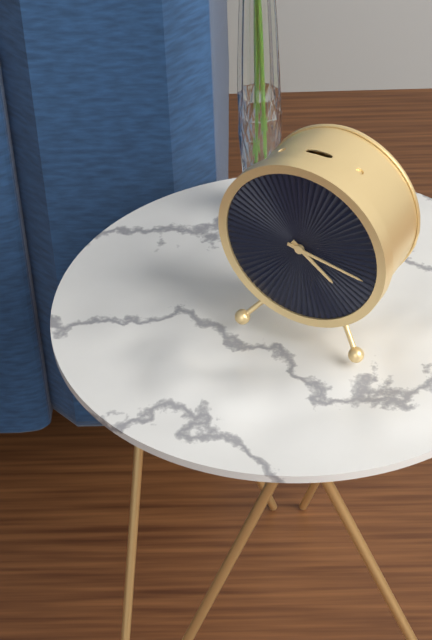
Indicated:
4,17
